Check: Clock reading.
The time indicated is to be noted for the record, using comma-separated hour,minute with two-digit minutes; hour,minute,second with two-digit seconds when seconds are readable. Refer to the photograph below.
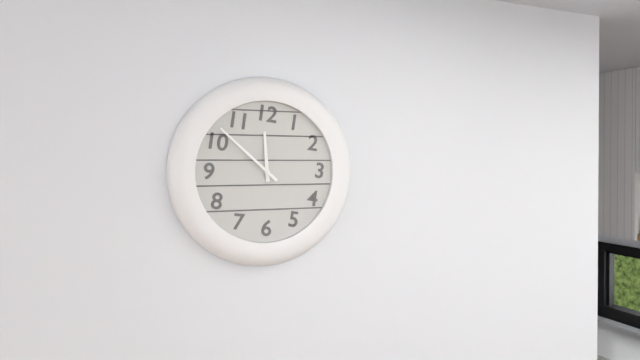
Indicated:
11,52
